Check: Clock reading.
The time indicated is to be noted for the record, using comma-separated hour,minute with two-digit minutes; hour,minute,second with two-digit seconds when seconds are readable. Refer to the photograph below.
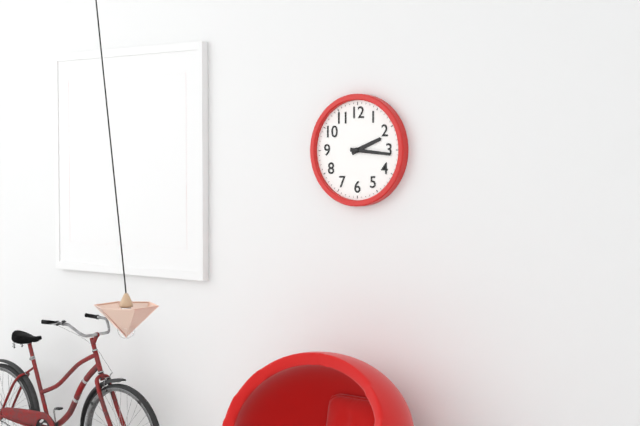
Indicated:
2,16
